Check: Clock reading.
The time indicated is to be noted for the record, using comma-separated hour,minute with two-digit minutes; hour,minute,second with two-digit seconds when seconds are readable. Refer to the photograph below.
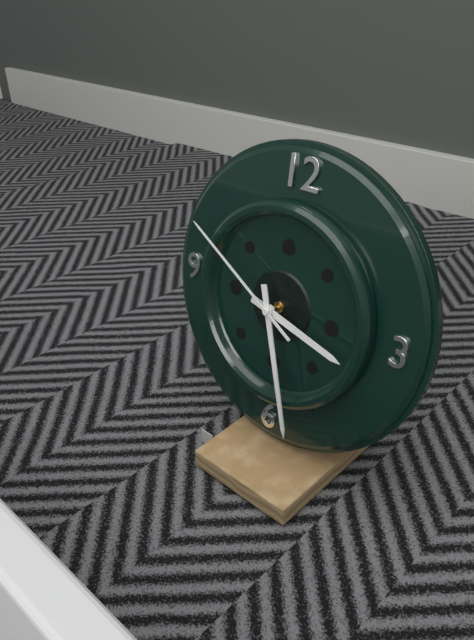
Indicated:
3,27,50
